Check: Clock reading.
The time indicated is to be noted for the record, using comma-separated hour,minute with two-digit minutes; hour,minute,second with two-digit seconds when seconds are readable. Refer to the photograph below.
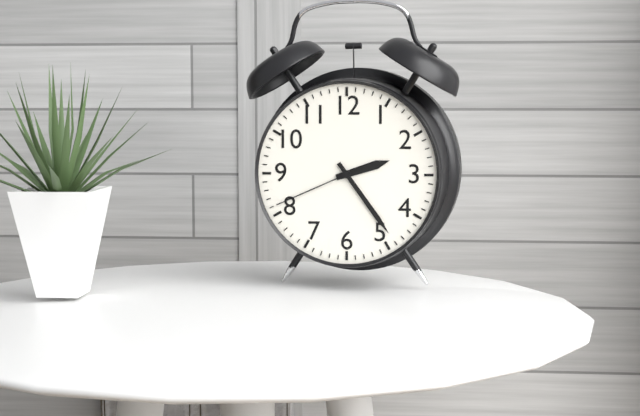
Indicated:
2,24,41
